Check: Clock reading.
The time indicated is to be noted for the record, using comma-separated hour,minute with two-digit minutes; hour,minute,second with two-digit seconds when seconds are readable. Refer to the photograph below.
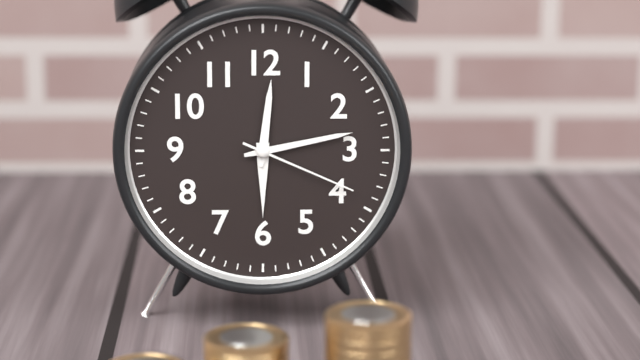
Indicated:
12,13,19
